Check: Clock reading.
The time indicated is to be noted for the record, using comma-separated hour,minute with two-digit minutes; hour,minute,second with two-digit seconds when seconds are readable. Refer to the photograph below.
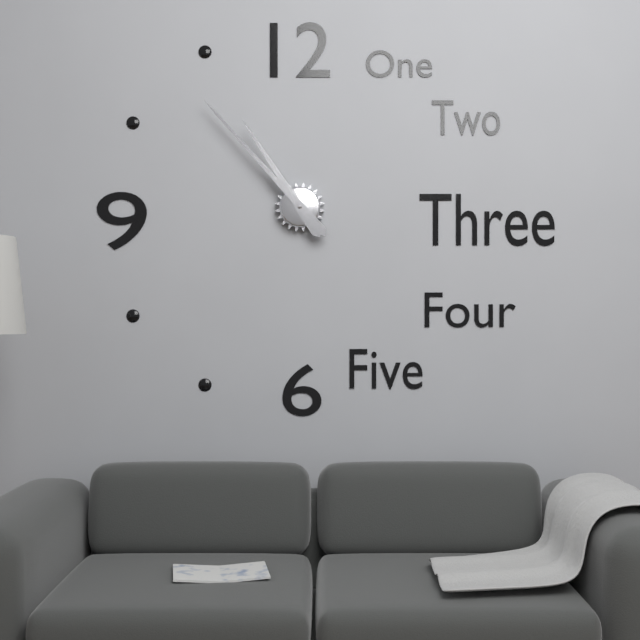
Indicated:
10,53
